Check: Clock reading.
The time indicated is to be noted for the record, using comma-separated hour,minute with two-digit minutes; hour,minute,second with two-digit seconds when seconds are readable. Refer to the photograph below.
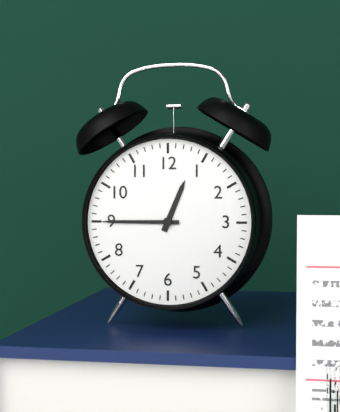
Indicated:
12,45
